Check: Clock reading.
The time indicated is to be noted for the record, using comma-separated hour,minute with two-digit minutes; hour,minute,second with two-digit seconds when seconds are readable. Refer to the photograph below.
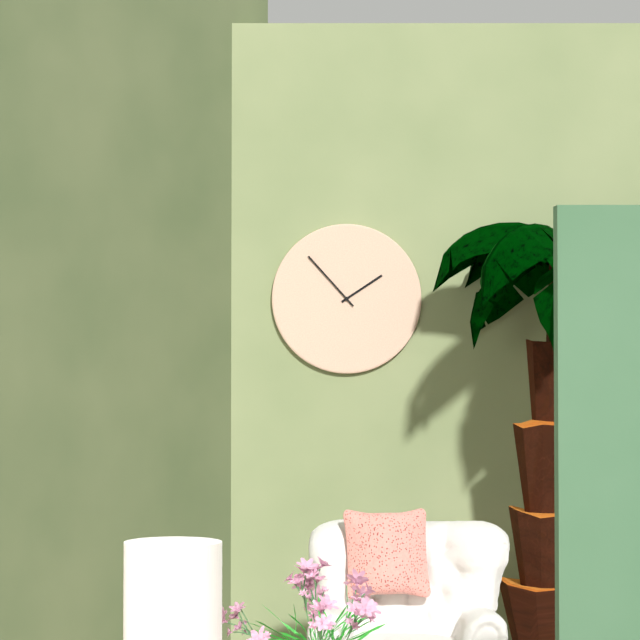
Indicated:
1,53
